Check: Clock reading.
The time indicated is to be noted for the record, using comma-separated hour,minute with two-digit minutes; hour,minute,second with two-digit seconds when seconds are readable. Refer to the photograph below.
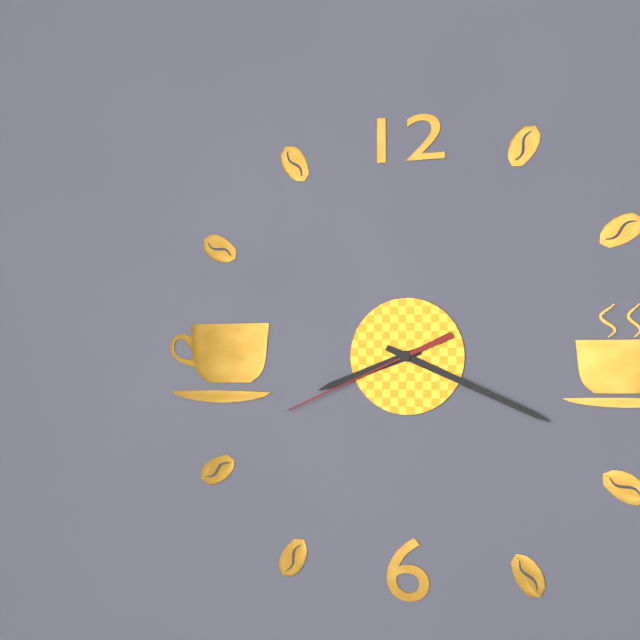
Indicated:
8,19,41
